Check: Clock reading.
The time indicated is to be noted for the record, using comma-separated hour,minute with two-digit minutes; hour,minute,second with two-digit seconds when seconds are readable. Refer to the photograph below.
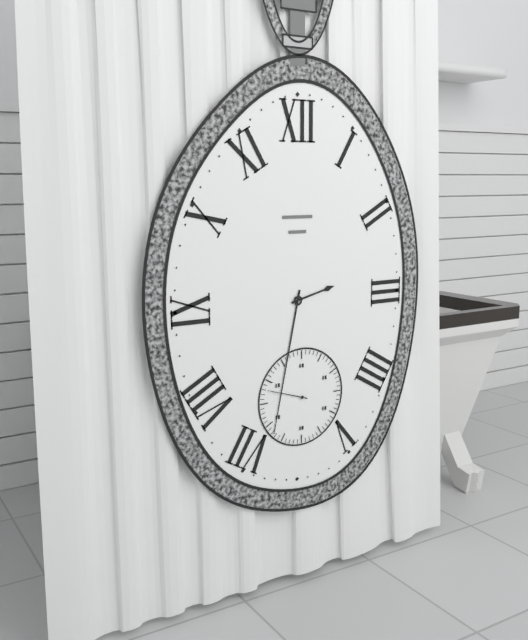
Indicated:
2,32
